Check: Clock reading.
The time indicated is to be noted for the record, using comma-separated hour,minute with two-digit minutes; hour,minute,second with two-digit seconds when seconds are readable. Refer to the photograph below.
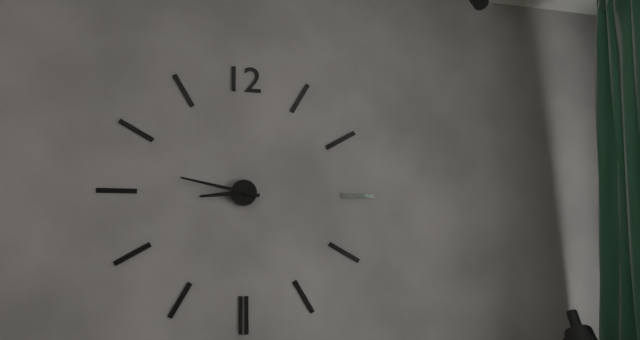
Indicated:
8,47
